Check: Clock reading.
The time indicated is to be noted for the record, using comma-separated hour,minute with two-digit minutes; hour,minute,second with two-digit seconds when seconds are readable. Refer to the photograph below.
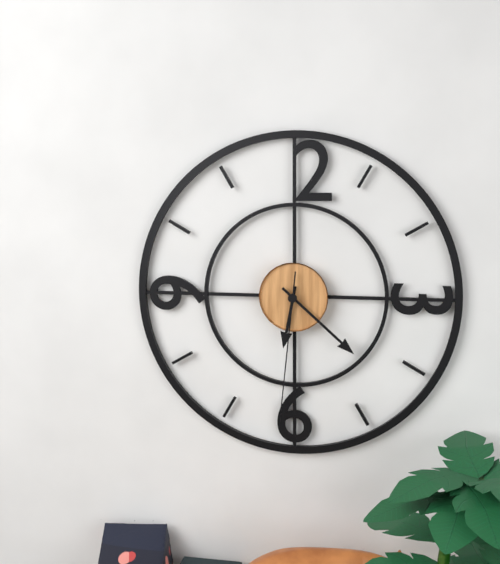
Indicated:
6,22,31
